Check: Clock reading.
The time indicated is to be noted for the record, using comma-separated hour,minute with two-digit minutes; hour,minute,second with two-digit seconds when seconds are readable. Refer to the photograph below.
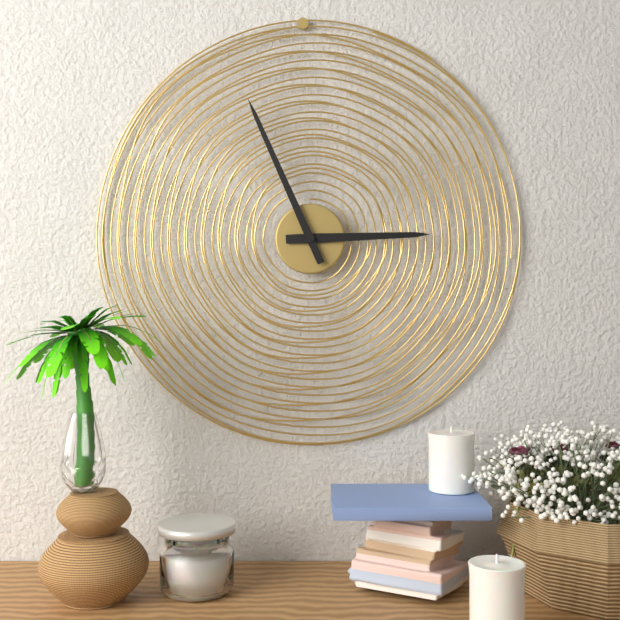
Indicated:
2,56
